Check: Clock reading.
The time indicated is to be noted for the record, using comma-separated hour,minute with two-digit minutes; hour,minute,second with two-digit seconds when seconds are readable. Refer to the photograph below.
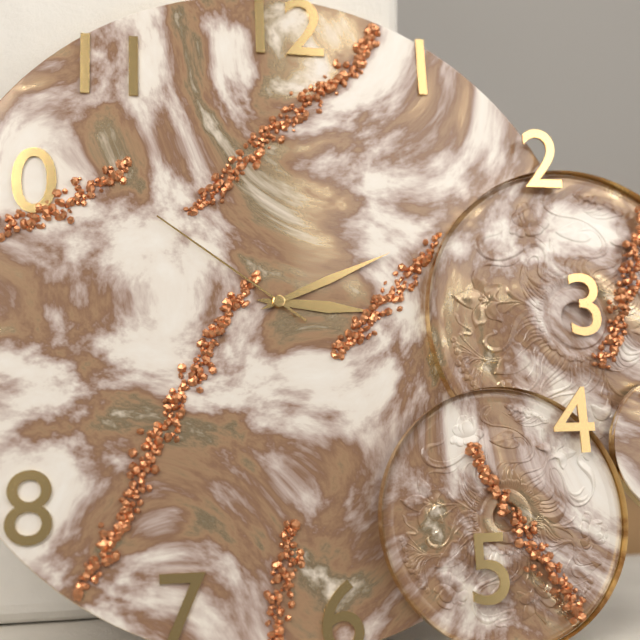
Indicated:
3,11,51
